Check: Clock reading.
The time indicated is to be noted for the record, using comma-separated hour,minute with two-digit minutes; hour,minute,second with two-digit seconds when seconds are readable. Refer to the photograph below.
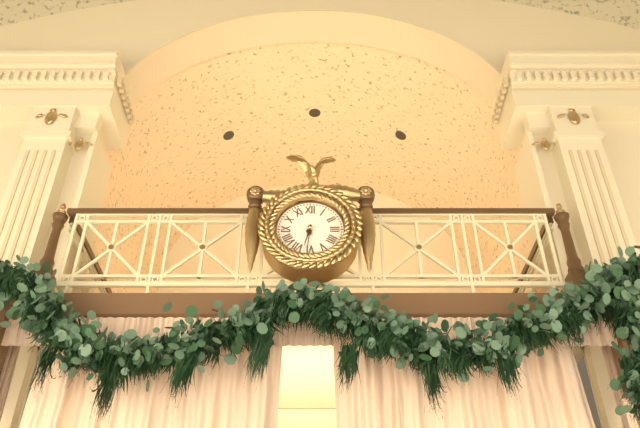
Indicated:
6,31
